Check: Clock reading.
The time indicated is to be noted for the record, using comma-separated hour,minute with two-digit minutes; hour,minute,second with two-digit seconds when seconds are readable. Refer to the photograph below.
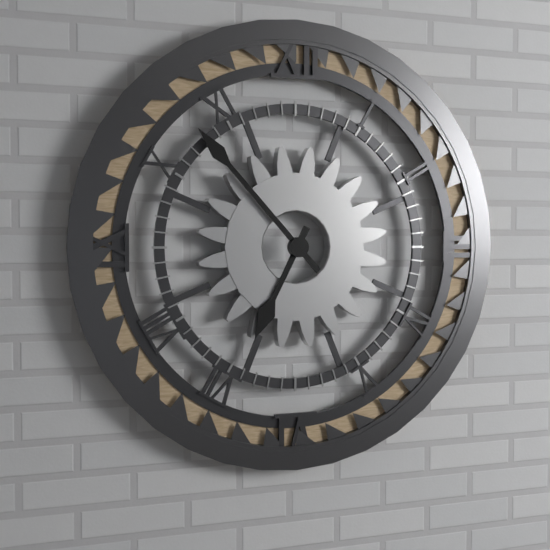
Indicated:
6,53
